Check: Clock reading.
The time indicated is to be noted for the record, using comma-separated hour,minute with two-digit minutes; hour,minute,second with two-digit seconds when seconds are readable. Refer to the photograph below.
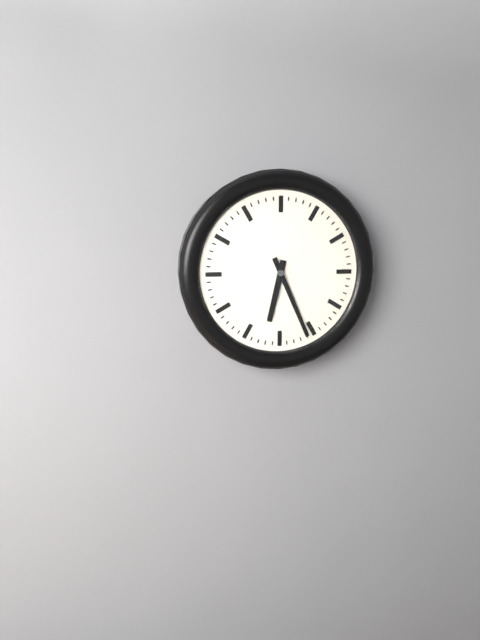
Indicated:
6,26
